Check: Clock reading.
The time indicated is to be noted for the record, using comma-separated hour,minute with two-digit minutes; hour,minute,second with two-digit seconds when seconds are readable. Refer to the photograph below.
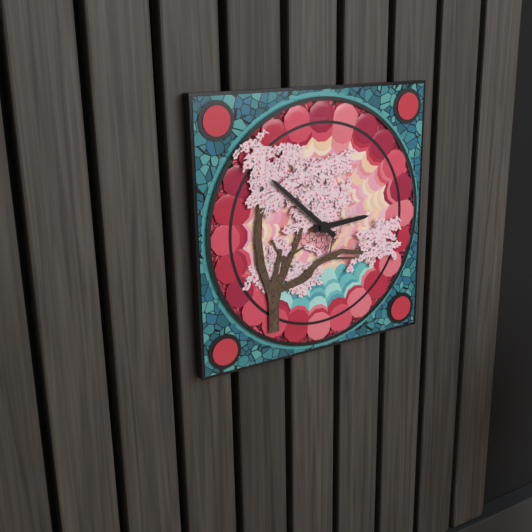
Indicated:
2,52
